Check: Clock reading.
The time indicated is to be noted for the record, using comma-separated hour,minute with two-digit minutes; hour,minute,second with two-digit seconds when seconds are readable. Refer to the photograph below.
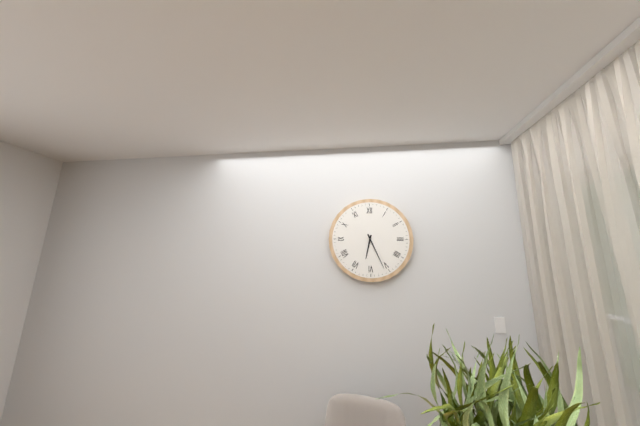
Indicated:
6,26
